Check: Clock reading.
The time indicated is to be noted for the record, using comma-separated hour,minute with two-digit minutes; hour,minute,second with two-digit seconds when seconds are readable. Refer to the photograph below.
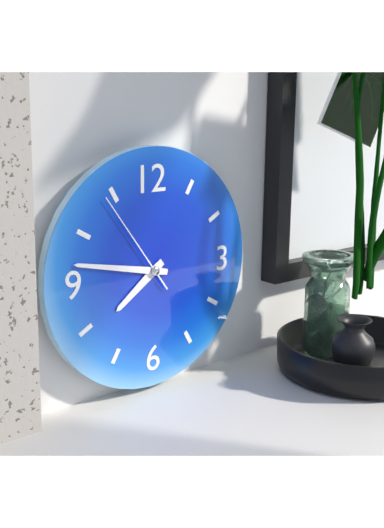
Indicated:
7,47,54
